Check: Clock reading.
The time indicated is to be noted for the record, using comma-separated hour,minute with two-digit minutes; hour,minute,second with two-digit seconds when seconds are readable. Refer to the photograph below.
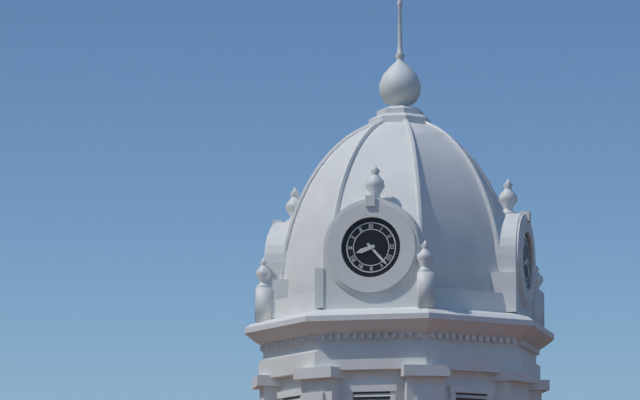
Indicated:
8,23
